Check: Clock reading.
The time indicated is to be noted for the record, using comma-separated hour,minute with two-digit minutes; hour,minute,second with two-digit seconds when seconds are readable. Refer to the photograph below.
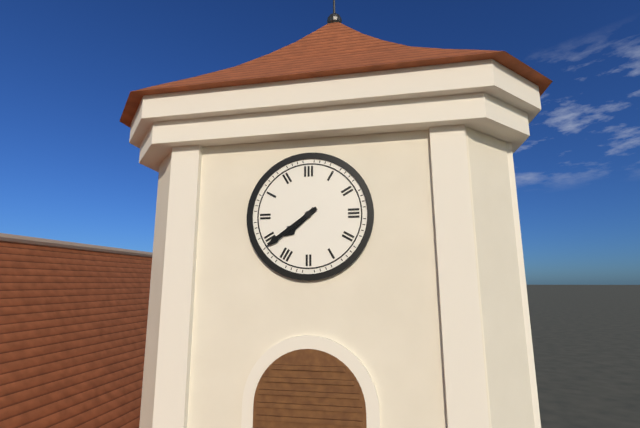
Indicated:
7,39
